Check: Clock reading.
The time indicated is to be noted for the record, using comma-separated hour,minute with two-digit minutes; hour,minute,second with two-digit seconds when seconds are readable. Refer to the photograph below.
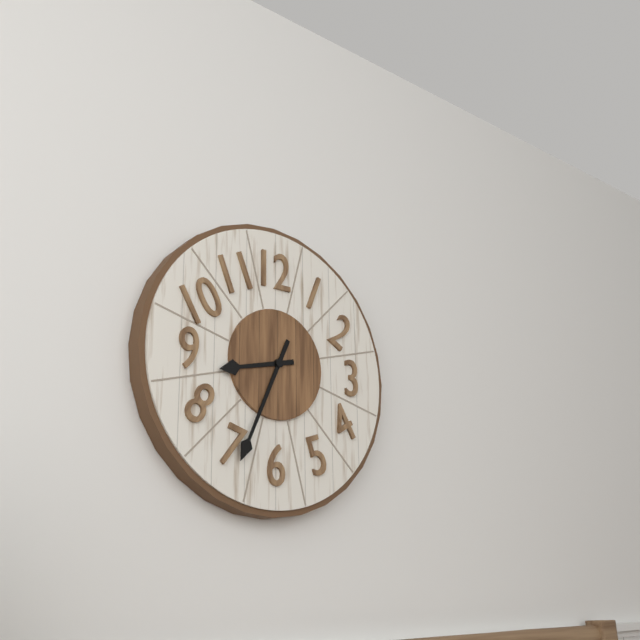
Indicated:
8,34
